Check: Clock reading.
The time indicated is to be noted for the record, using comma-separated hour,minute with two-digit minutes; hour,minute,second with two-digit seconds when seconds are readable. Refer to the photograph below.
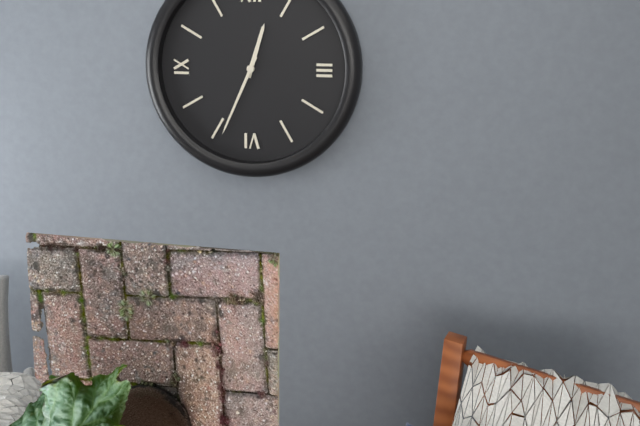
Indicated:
12,34
